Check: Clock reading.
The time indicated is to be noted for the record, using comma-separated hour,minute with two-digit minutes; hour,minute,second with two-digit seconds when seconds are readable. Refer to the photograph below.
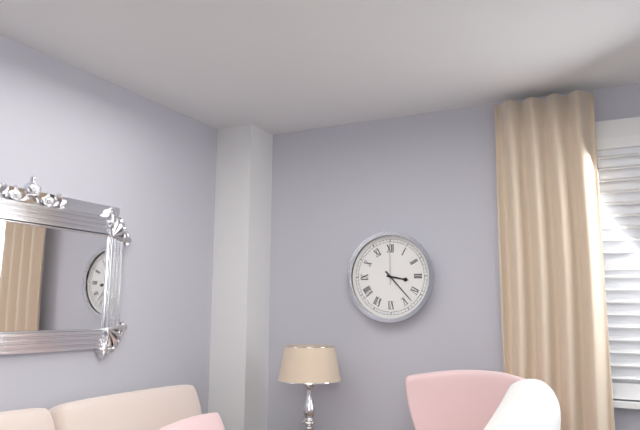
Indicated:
3,23
